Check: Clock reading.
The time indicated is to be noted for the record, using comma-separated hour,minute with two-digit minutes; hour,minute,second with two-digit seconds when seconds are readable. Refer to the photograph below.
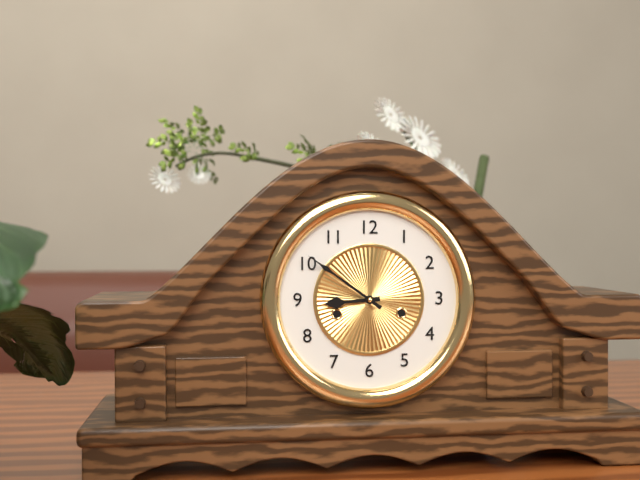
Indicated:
8,51
